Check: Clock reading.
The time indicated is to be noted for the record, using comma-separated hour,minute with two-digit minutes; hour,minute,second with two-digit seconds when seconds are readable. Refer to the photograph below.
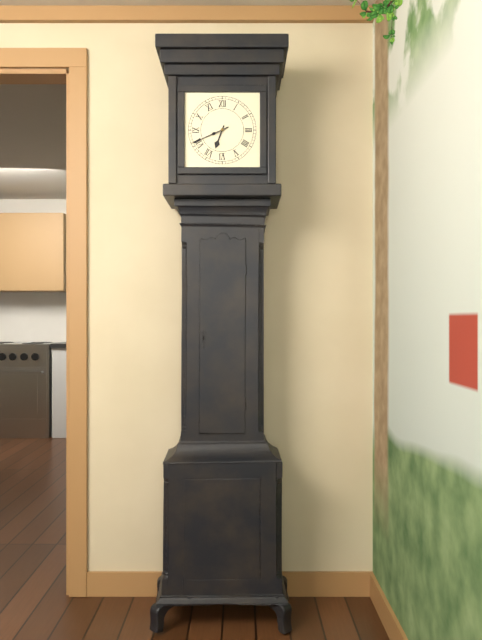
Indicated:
6,41
